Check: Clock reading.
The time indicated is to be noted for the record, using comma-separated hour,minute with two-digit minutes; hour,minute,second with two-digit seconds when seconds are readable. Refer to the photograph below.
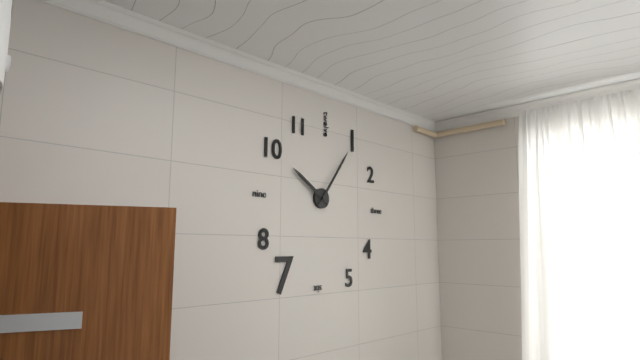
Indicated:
10,06
